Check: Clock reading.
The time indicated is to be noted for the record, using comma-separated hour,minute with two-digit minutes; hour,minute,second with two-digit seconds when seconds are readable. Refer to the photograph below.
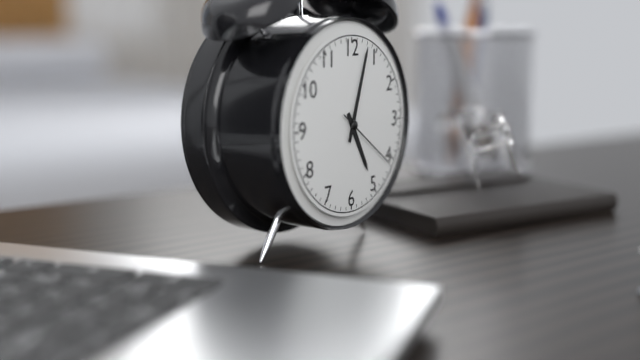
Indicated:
5,03,21
